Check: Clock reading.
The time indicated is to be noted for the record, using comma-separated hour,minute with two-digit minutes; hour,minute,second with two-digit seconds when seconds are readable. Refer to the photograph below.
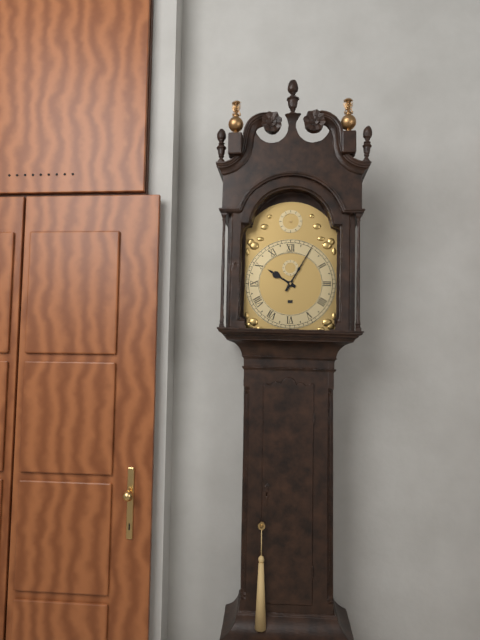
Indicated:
10,05
